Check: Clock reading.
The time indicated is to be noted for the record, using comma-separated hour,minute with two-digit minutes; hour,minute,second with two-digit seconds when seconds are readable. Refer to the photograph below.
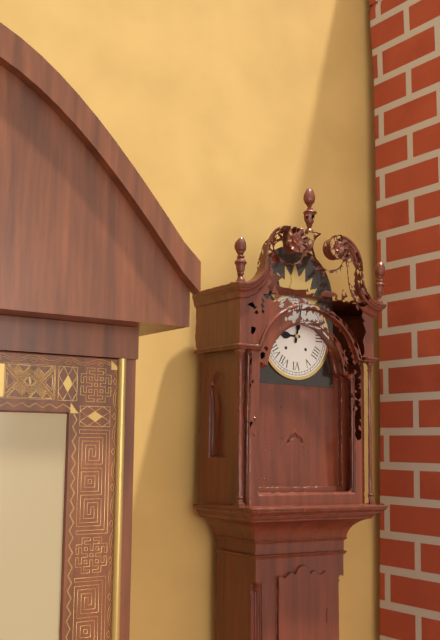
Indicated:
9,02
